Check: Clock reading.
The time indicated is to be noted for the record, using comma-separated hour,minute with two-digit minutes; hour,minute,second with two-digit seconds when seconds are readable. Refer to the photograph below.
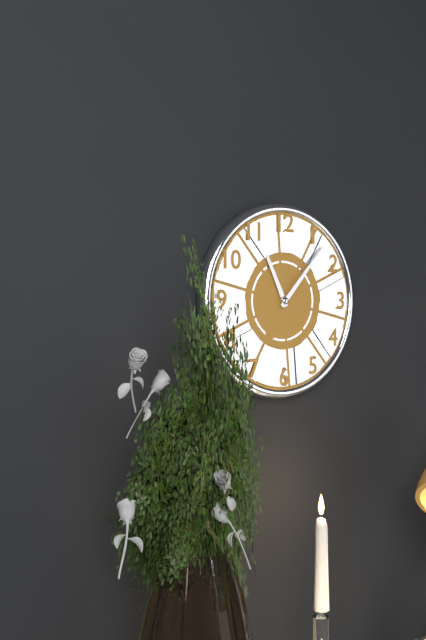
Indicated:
11,07
